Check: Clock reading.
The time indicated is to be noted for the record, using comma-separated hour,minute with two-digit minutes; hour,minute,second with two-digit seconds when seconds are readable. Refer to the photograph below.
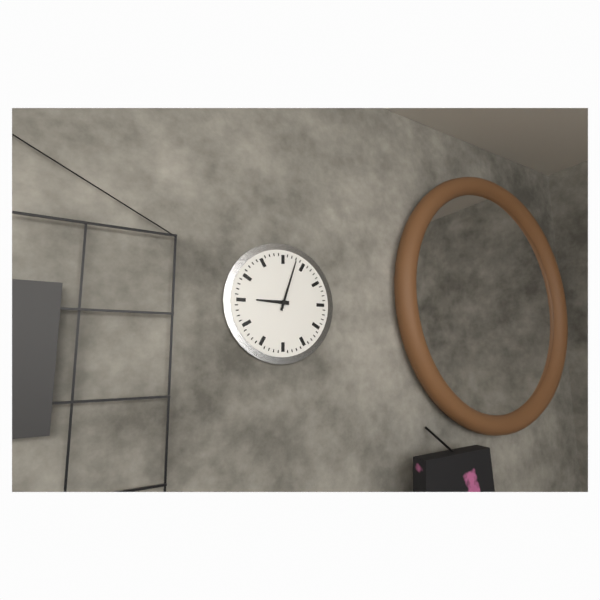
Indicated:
9,03
